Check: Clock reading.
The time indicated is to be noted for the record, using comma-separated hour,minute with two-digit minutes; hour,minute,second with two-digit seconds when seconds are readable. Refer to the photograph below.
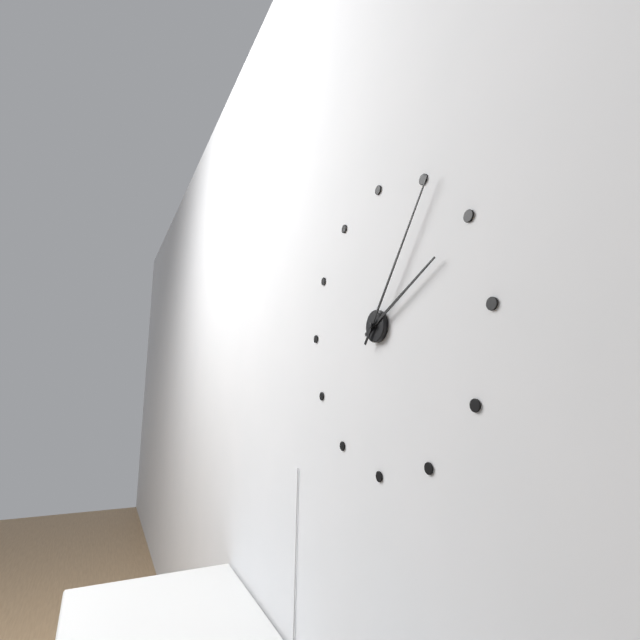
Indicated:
2,06
